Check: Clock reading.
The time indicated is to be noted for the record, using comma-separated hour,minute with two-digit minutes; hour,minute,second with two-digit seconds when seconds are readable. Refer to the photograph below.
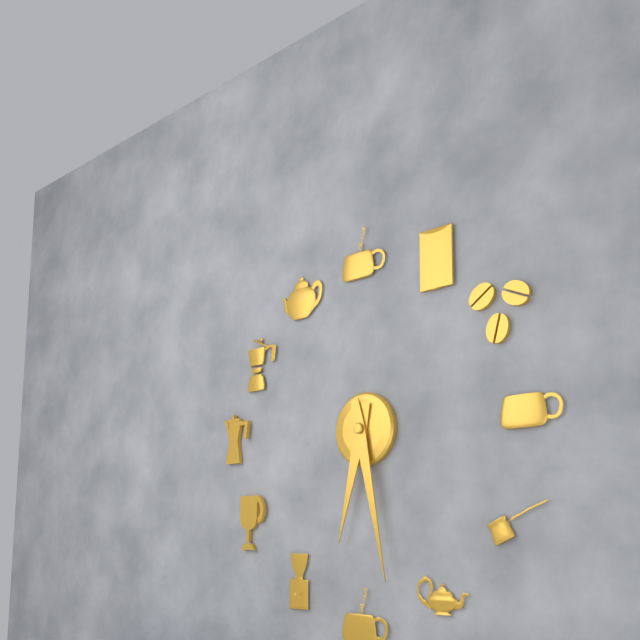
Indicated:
6,28
